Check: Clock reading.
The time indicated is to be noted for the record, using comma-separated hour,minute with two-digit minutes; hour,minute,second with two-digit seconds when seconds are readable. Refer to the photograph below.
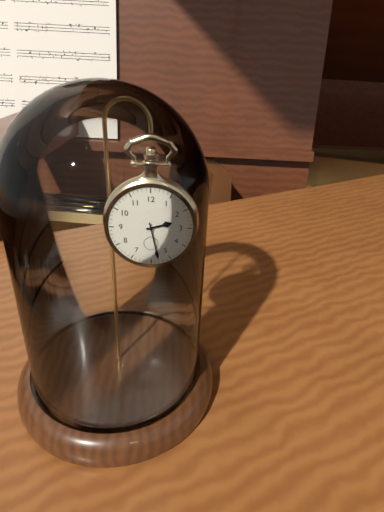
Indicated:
2,28
